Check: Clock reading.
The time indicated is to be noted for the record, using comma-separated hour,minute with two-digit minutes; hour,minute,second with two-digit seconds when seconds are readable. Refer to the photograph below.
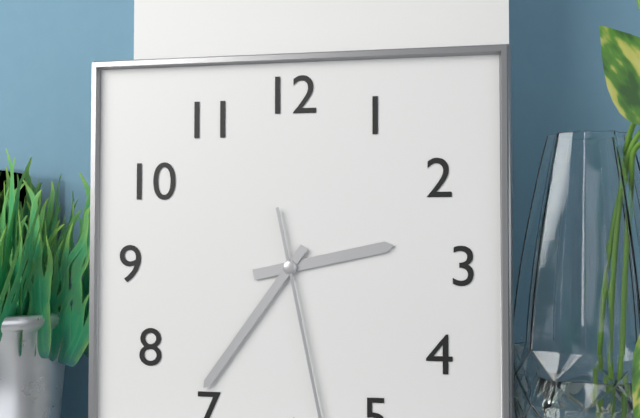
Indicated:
2,36
